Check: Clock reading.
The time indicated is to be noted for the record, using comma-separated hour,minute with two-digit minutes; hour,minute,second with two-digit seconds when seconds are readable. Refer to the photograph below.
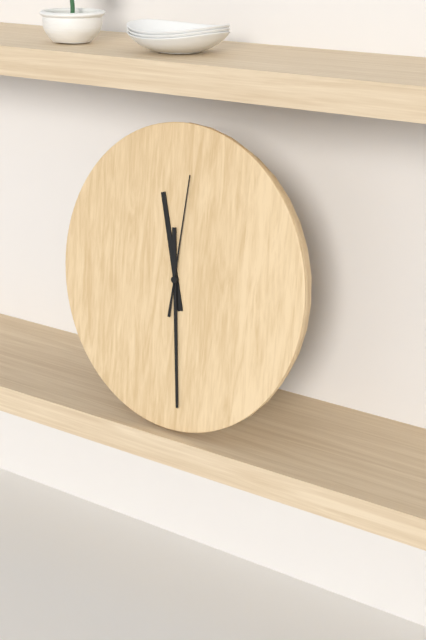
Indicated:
11,29,01
